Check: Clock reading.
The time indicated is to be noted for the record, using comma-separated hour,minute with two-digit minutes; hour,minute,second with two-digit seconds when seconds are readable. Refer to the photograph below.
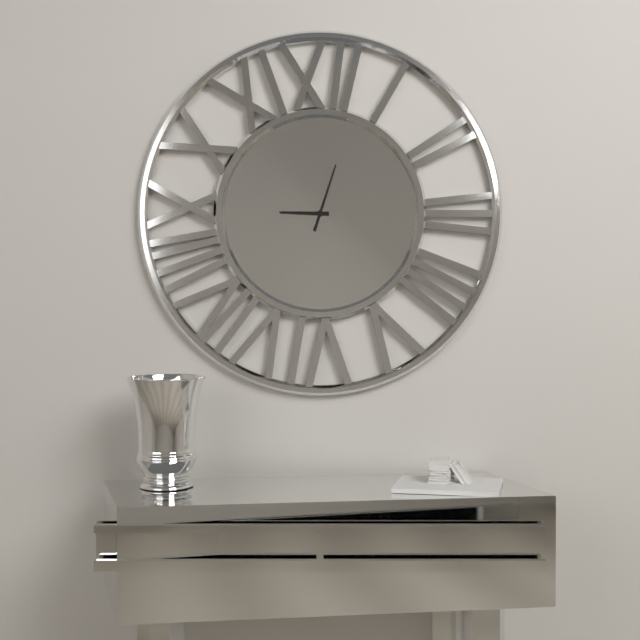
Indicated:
9,03
